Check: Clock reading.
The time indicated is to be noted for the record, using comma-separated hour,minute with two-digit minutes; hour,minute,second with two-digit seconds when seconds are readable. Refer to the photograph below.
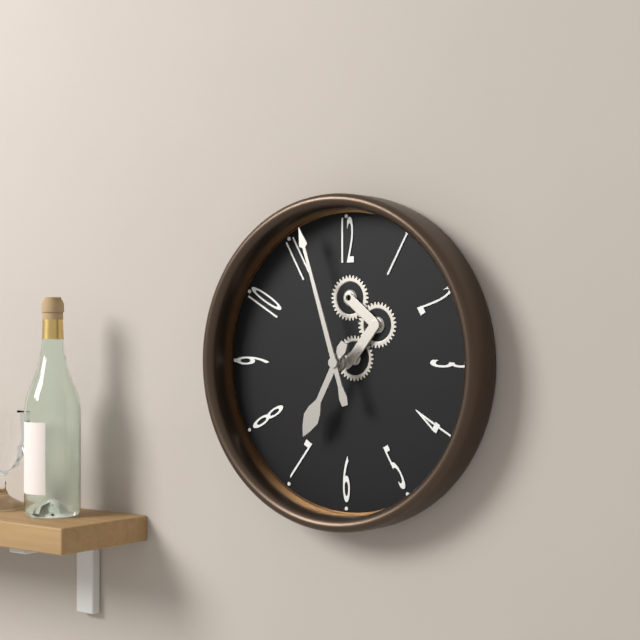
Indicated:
6,57
